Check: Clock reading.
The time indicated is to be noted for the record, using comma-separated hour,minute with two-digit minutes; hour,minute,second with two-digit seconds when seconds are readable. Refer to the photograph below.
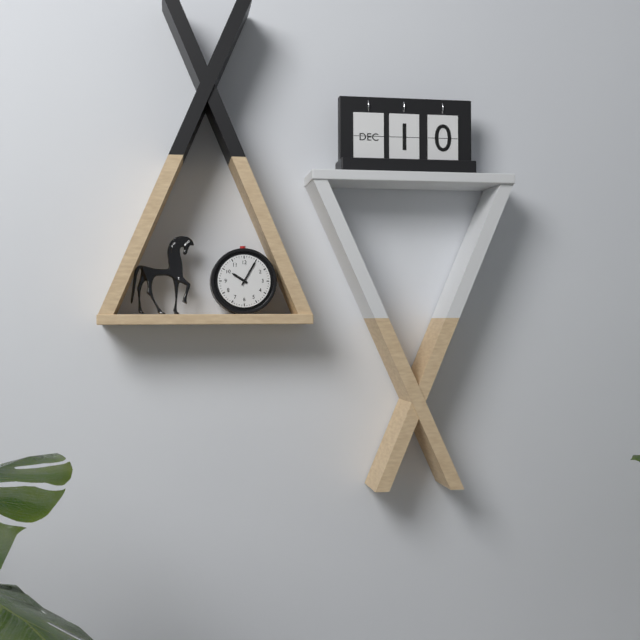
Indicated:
10,05
